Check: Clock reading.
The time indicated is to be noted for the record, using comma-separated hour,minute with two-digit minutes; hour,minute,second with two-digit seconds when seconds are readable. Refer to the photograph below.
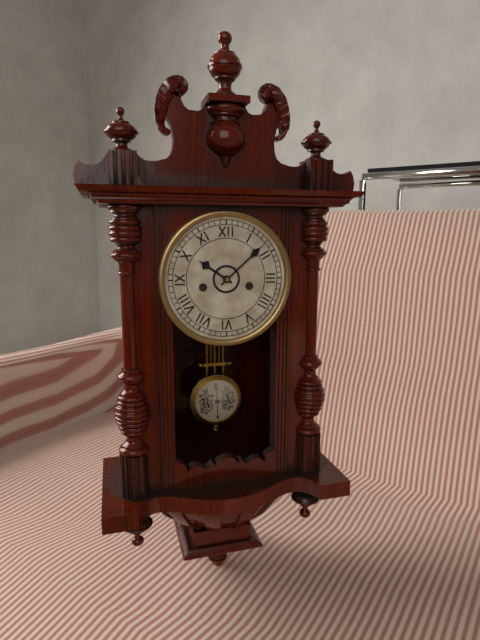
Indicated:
10,08
